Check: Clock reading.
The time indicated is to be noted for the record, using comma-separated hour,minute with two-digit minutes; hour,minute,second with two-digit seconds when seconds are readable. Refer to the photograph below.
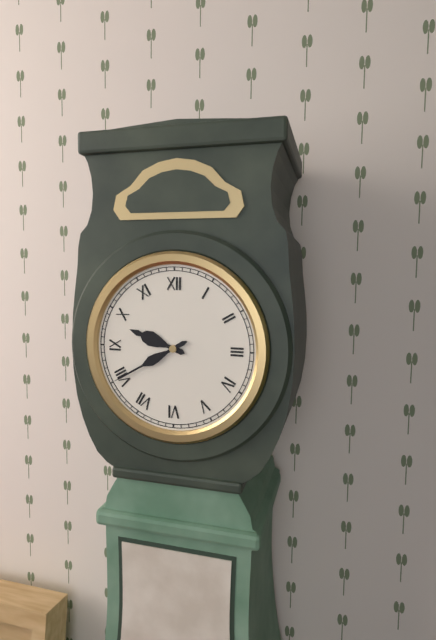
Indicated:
9,40
